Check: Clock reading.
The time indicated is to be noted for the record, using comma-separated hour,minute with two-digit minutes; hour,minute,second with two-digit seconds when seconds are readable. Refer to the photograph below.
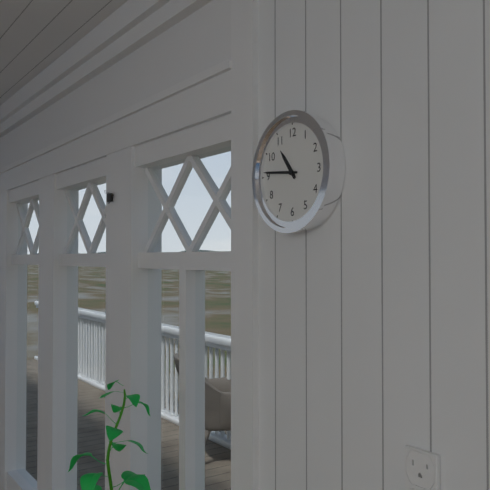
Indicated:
10,46
